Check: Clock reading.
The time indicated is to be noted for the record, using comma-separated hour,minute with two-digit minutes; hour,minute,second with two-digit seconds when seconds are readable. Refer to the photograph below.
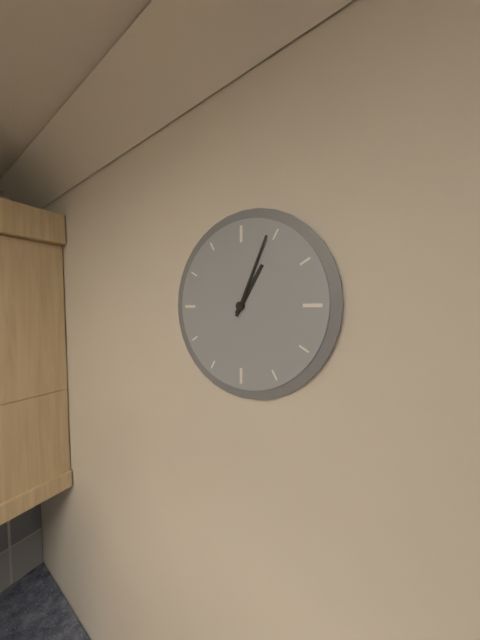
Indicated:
1,04
